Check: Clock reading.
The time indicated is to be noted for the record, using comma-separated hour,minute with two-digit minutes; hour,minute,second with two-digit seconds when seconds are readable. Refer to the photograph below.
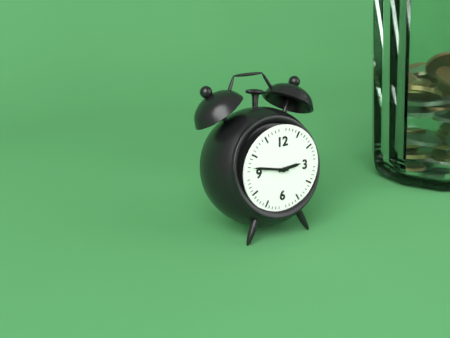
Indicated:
2,47
